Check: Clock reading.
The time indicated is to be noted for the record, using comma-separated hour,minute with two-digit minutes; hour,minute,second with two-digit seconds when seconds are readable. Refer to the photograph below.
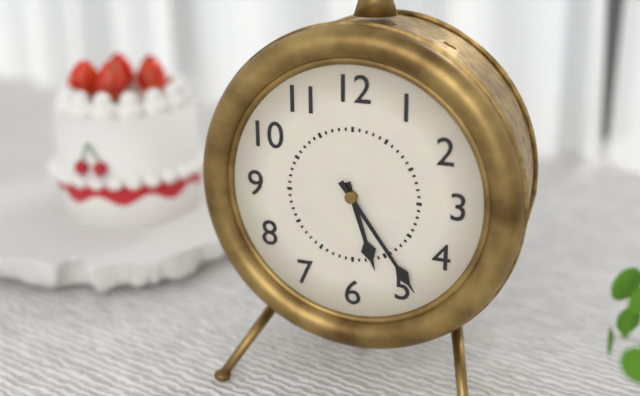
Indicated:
5,24
